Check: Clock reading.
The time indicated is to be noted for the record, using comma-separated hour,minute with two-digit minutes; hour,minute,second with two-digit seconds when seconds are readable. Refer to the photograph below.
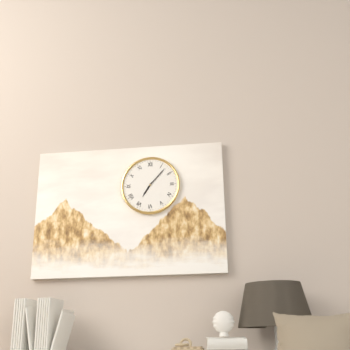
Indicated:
7,07
